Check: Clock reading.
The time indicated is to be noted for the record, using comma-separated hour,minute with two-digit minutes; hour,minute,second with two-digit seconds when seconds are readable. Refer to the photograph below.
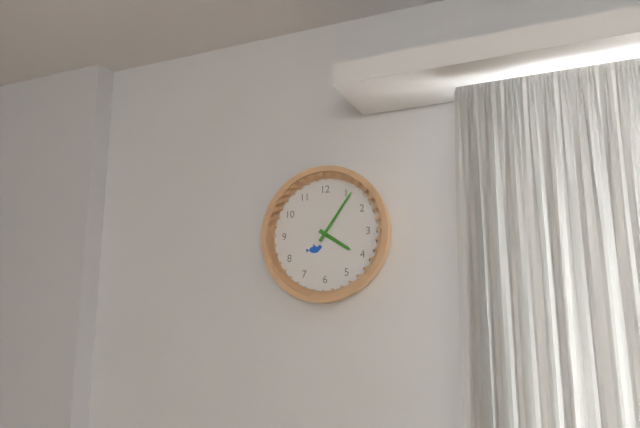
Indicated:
4,06
